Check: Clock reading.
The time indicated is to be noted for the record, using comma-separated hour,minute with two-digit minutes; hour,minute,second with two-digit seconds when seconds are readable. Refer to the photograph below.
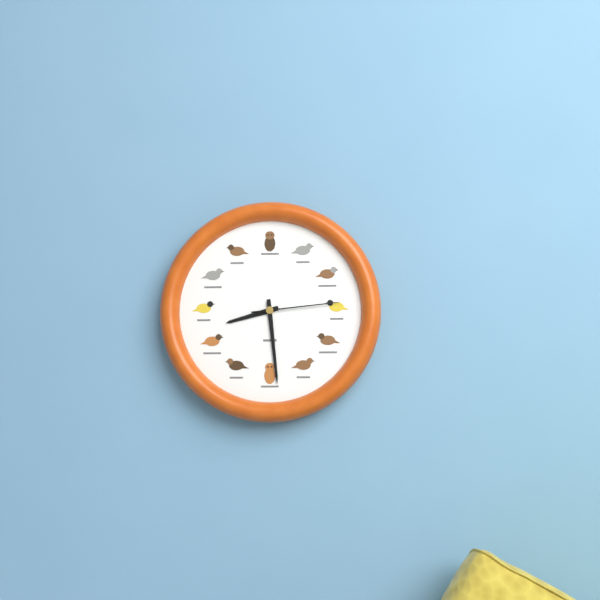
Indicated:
8,29,14
